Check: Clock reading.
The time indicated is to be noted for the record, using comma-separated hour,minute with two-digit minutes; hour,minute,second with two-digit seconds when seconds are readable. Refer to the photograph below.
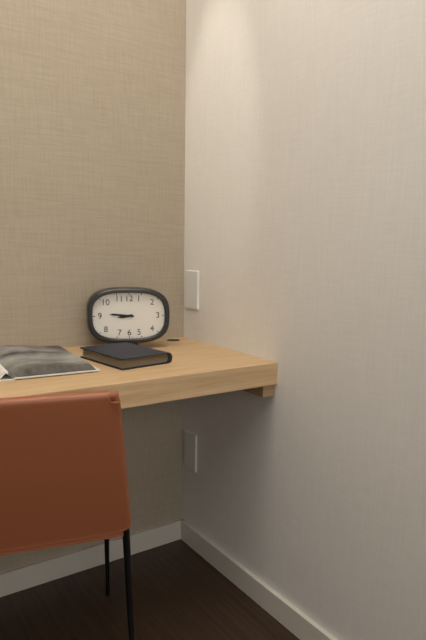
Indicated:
8,46
